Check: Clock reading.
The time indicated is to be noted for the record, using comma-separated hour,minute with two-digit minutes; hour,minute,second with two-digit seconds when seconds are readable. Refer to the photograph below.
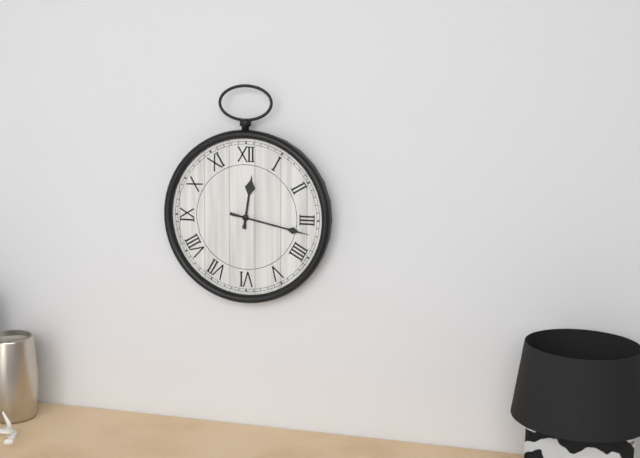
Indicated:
12,17
